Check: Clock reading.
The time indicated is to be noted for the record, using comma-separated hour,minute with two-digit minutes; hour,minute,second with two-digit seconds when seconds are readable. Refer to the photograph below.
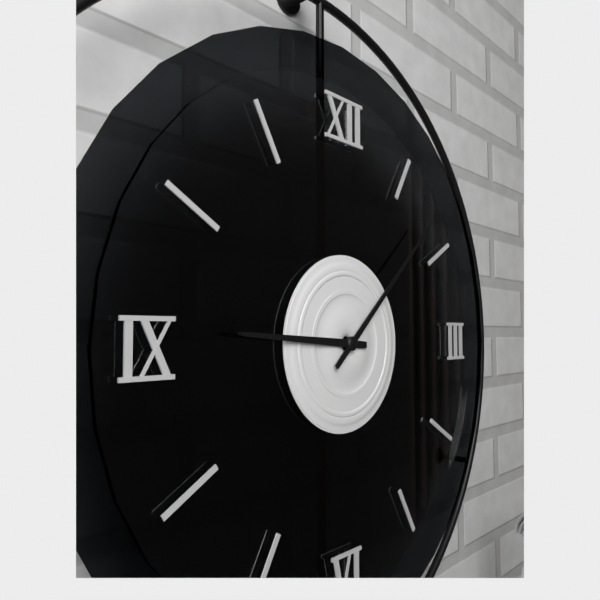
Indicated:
9,08
